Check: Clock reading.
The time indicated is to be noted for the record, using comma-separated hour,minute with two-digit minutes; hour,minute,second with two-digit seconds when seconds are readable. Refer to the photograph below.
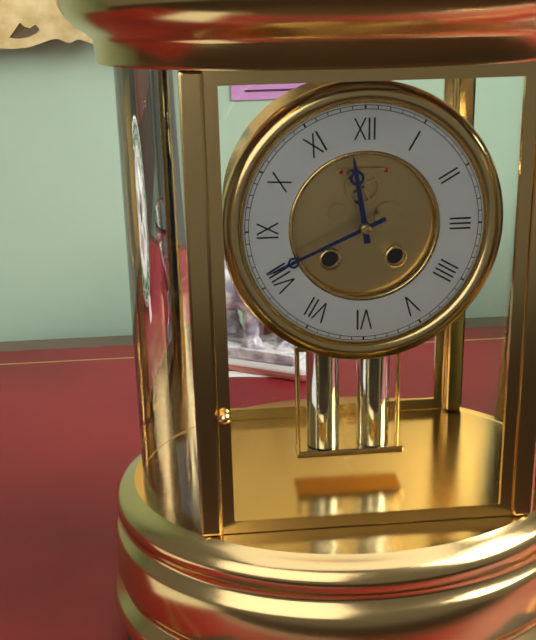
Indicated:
11,41
